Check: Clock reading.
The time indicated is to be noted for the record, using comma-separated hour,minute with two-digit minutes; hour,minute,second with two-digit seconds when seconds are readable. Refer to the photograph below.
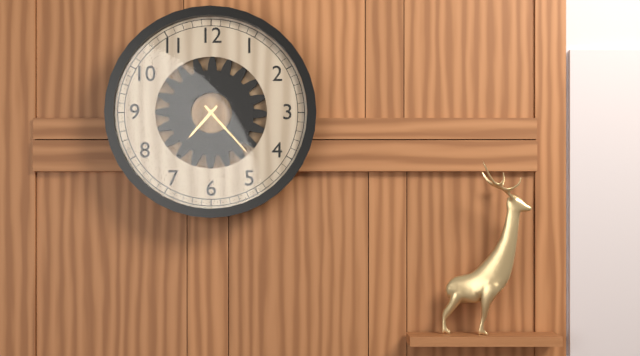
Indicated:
7,23
